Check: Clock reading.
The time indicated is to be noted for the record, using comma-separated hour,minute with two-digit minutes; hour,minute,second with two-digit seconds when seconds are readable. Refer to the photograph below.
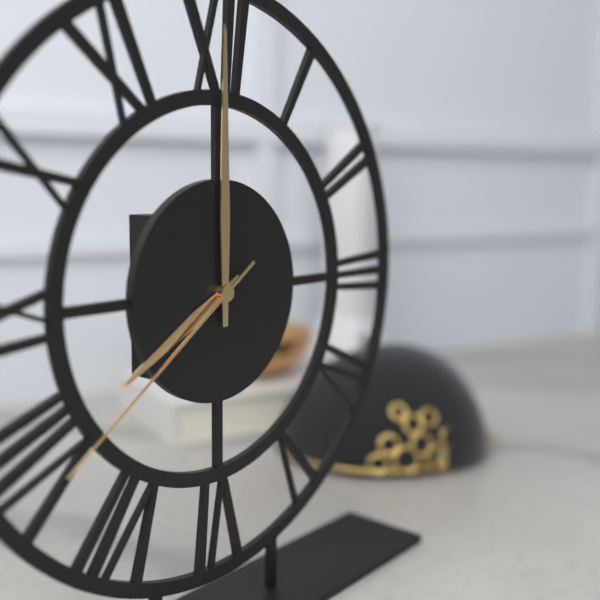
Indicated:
8,00,39
